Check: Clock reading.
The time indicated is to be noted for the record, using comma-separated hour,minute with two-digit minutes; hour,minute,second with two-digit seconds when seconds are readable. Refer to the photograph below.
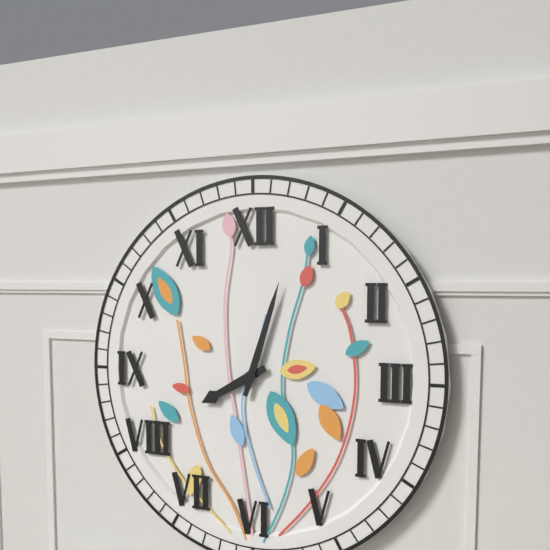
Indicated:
8,03
